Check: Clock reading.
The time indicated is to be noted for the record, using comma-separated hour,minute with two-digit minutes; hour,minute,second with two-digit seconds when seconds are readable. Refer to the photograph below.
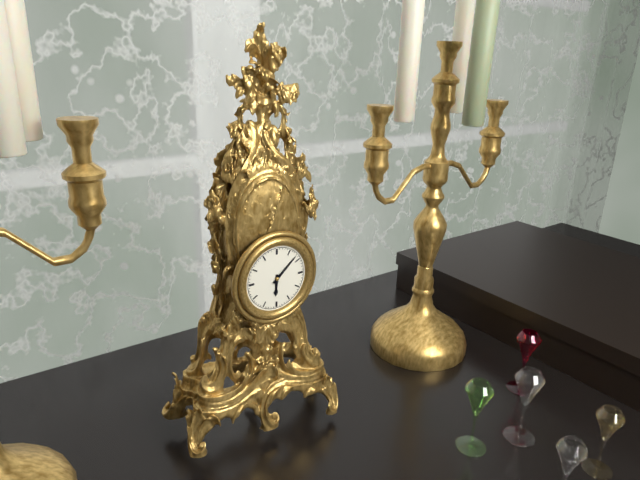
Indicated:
6,08
